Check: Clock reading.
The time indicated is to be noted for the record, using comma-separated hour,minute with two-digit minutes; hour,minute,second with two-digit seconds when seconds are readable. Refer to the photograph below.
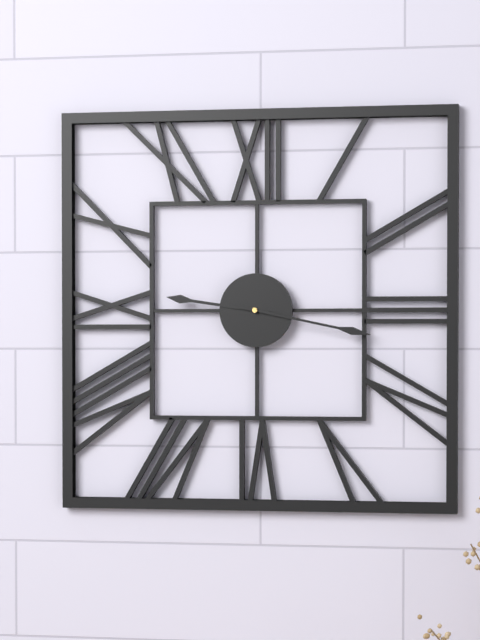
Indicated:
9,17
